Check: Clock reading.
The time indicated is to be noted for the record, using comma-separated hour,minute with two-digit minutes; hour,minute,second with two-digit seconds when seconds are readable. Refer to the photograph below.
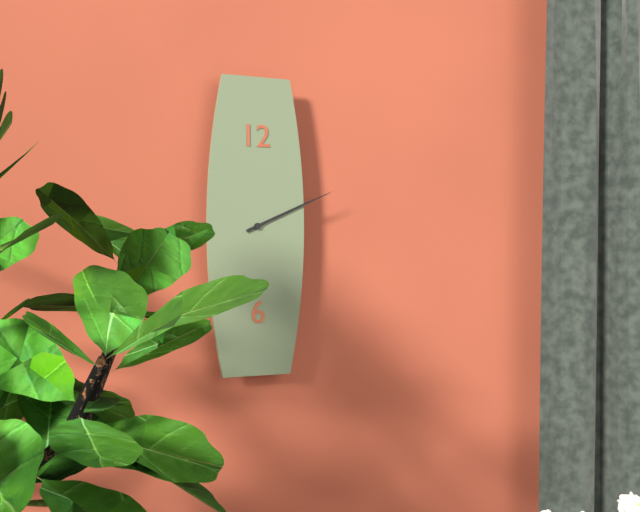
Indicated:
2,11
